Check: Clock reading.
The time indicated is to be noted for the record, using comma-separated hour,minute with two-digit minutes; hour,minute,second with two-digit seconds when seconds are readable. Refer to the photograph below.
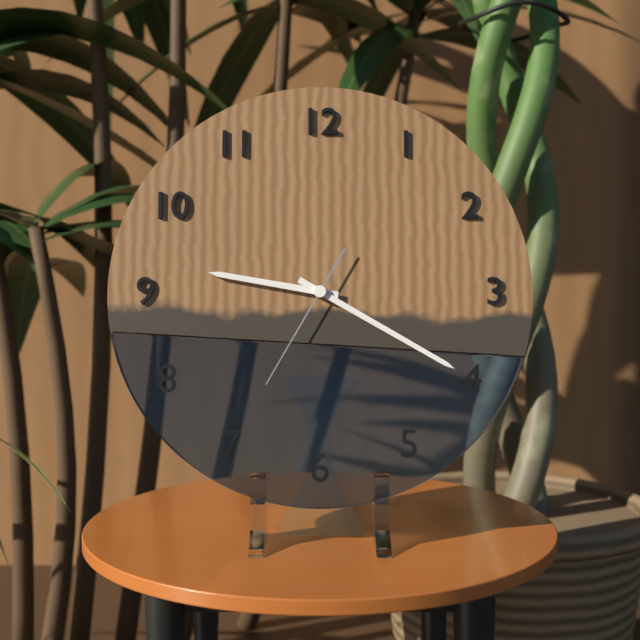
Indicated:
9,20,35
